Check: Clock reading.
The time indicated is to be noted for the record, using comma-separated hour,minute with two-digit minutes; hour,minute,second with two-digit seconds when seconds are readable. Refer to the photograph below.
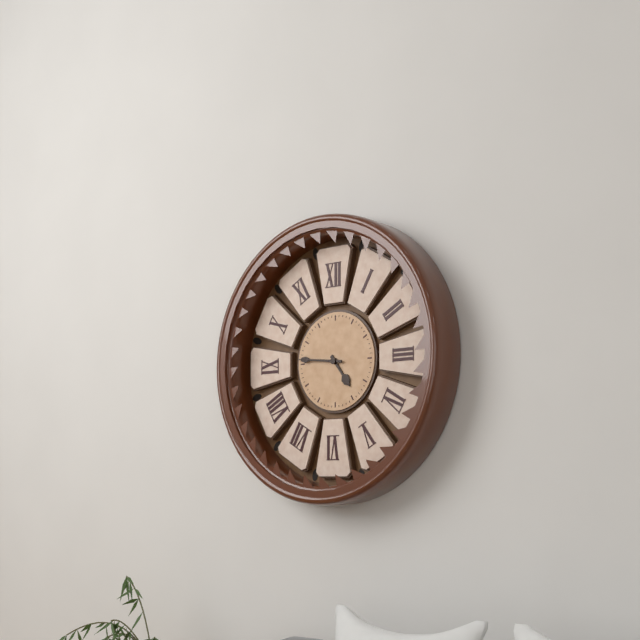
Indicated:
4,46
